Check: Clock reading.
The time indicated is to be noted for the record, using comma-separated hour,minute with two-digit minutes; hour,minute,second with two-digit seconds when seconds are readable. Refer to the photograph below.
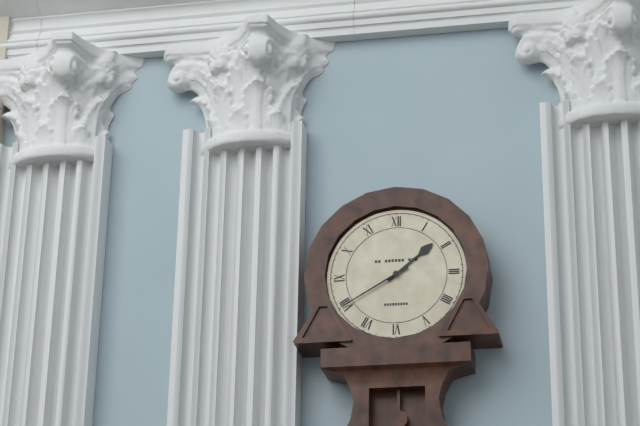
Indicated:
1,40
